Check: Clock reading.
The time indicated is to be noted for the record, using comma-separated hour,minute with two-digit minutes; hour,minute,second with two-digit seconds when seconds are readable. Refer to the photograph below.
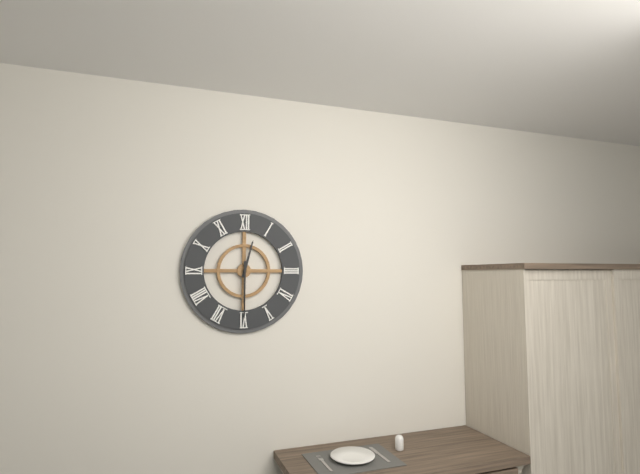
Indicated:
12,30
